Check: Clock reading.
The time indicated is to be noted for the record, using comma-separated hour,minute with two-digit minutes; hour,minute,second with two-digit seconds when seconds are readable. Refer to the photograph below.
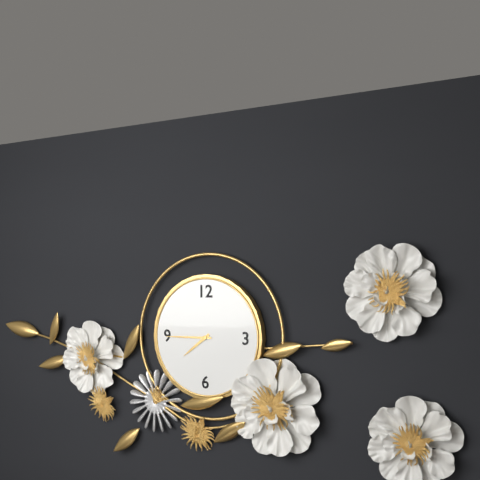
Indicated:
7,45
